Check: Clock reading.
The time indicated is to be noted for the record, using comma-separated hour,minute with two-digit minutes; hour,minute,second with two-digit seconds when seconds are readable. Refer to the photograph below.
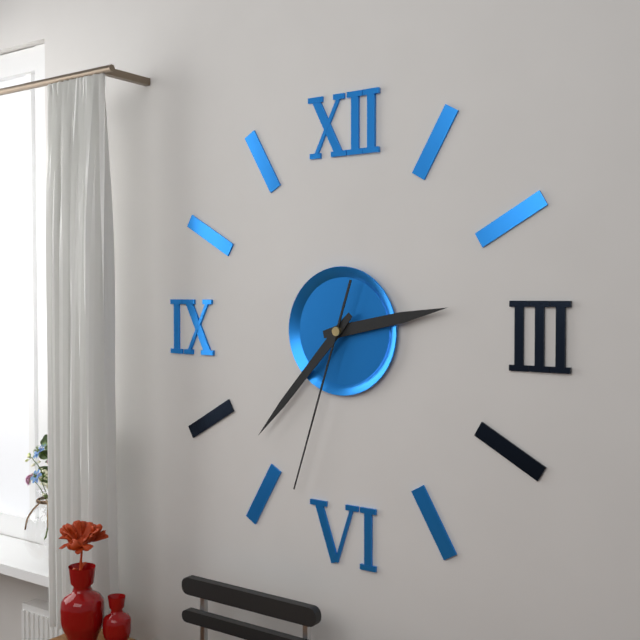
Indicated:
2,37,33
